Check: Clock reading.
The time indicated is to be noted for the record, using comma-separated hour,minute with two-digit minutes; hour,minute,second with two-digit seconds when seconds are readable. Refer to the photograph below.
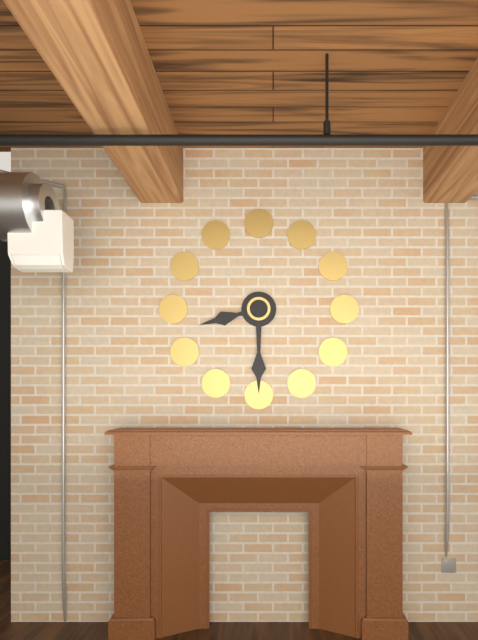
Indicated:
8,30
